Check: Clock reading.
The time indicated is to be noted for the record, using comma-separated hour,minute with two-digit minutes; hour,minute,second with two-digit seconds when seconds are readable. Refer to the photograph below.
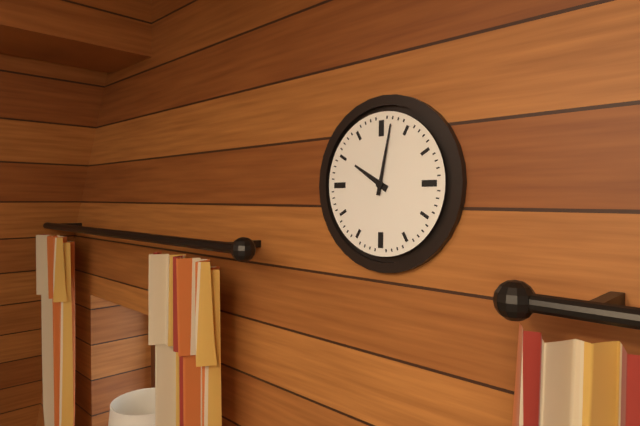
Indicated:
10,02
